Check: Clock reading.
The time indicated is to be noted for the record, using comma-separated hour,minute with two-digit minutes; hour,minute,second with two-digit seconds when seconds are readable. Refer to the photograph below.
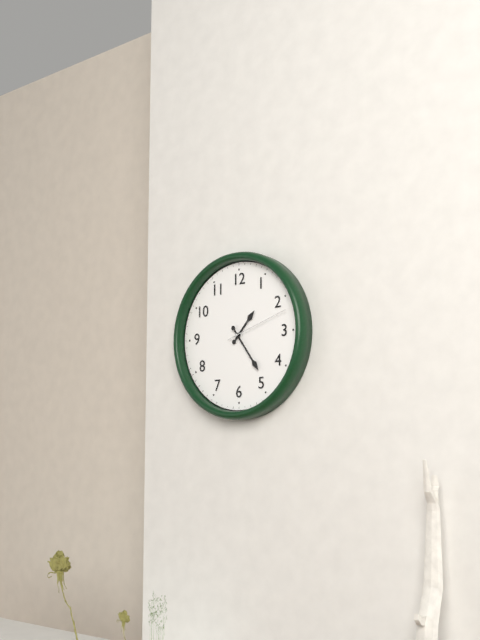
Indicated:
1,24,12
